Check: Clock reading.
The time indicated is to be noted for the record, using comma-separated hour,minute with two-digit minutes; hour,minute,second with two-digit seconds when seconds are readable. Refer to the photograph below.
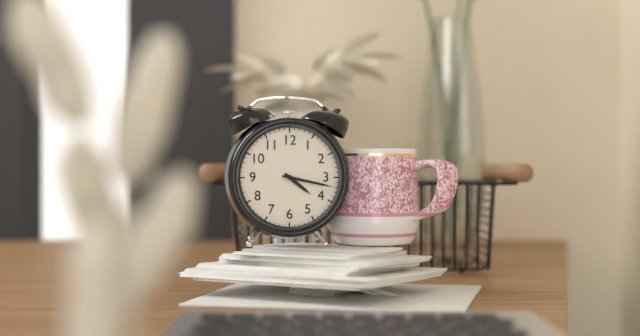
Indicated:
4,17
